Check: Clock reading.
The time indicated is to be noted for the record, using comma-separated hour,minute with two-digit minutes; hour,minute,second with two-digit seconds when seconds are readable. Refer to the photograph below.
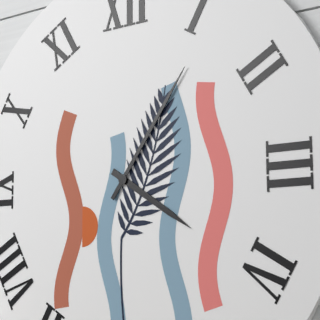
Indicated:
4,06
